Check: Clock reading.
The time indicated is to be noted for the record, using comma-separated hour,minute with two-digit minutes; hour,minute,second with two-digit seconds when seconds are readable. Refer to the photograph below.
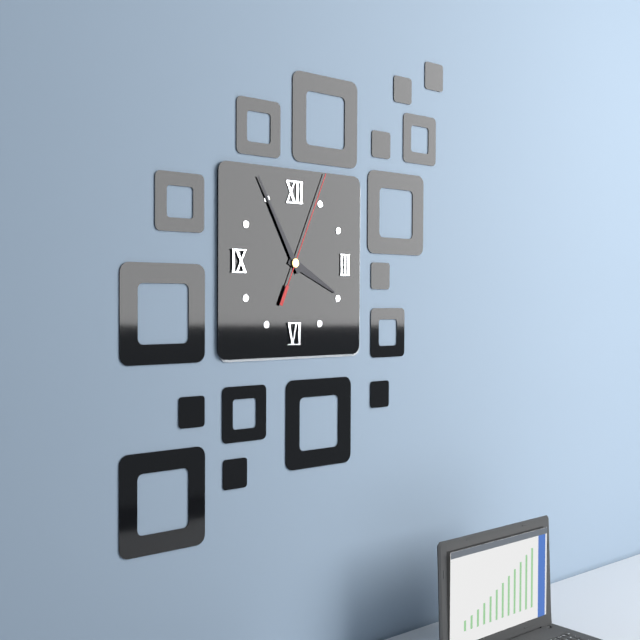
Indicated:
3,55,04
